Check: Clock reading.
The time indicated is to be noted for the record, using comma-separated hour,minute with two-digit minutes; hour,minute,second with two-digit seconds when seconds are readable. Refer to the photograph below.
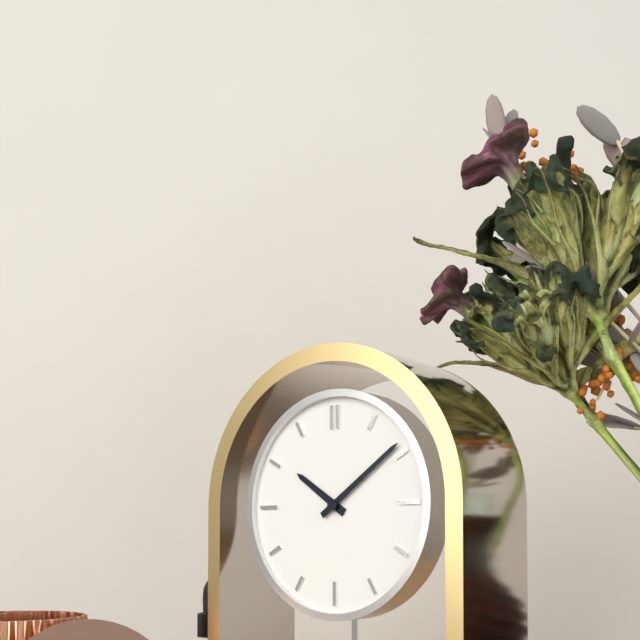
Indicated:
10,09
